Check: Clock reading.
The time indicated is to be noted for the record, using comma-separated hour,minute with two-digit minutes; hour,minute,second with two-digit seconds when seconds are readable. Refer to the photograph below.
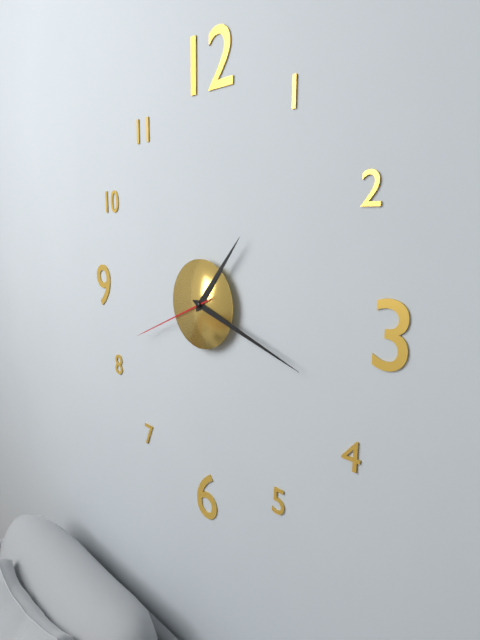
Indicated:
1,18,41
